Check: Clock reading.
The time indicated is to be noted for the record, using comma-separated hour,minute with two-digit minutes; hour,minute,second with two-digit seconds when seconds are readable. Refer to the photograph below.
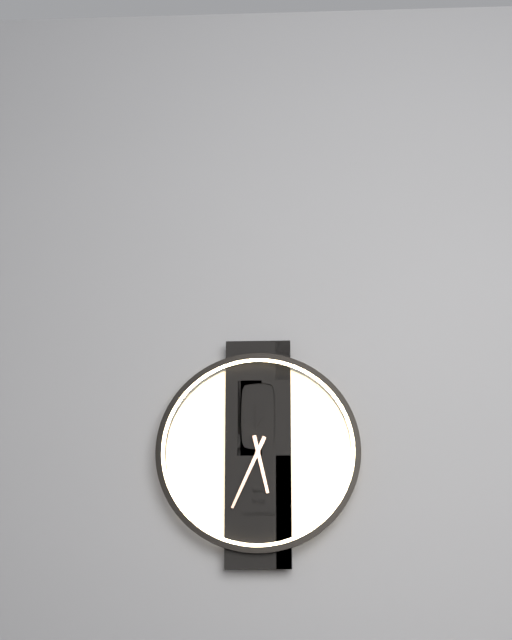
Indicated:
5,34
